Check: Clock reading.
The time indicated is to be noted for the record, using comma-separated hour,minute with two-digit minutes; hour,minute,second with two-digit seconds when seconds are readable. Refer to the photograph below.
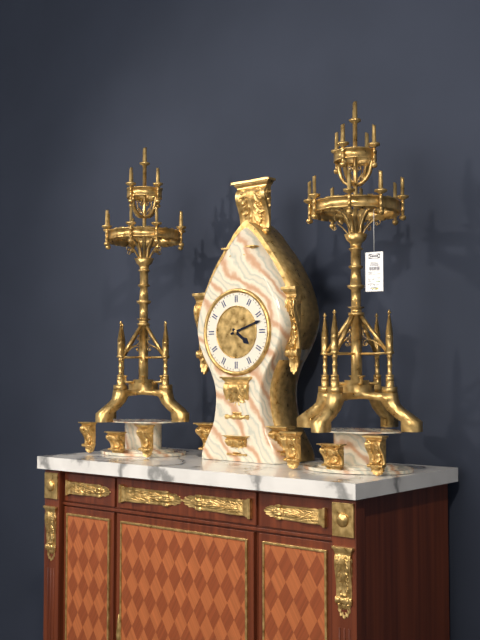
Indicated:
4,12
